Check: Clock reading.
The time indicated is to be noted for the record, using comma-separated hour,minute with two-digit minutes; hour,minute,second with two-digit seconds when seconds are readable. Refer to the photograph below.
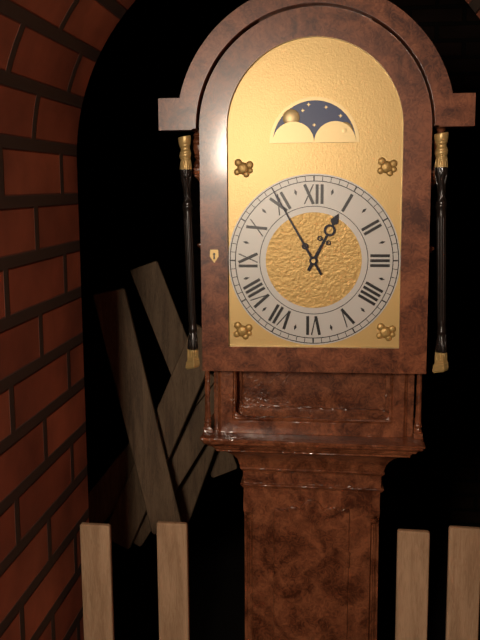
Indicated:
12,55
